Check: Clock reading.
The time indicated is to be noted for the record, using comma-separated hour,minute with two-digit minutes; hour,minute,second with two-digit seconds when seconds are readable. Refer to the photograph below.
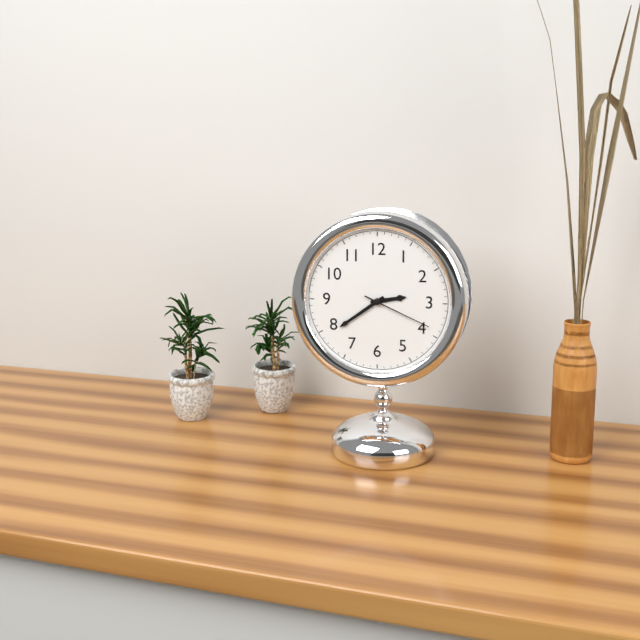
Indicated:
2,39,19
